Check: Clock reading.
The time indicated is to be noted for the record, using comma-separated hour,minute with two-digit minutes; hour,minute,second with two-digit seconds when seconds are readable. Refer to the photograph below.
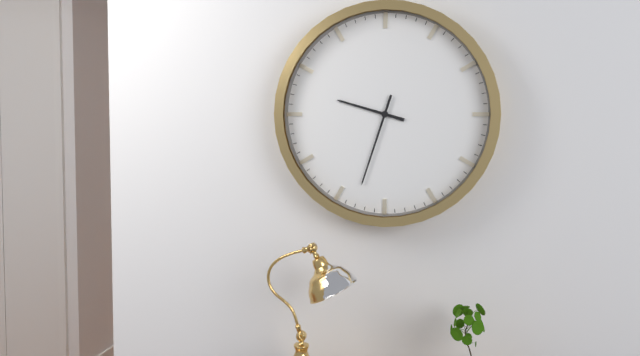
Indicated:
9,33
